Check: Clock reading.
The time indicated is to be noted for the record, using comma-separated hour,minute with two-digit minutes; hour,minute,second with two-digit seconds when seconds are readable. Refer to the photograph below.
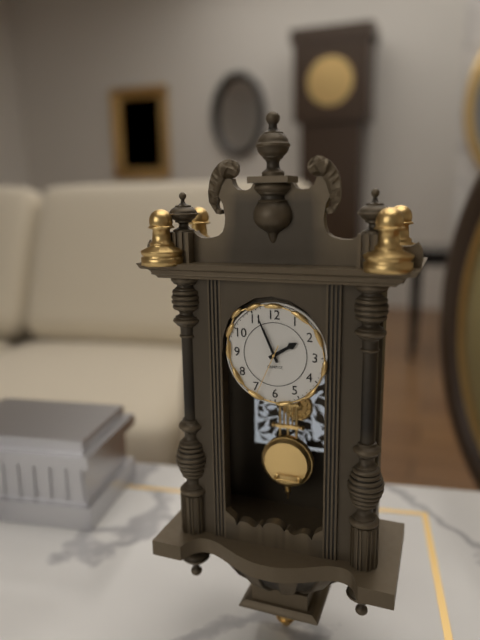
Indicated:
1,56,34
